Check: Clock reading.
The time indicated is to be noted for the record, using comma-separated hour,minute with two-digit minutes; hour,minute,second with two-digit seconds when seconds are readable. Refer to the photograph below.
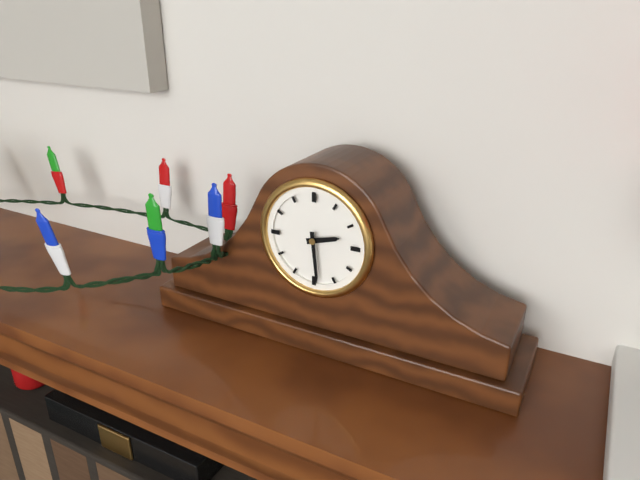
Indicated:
2,29
